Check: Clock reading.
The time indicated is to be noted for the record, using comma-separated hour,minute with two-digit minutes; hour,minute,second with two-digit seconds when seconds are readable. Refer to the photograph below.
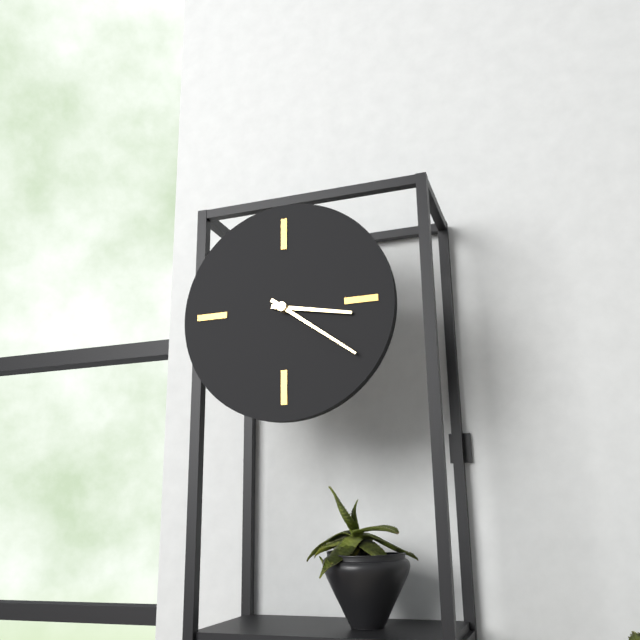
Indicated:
3,21
